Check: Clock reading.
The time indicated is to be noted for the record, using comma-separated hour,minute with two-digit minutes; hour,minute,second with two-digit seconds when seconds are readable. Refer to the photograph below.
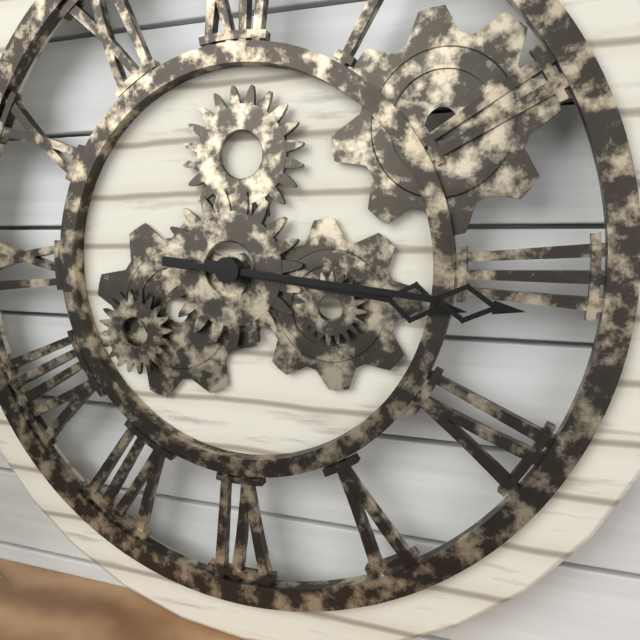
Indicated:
3,16
